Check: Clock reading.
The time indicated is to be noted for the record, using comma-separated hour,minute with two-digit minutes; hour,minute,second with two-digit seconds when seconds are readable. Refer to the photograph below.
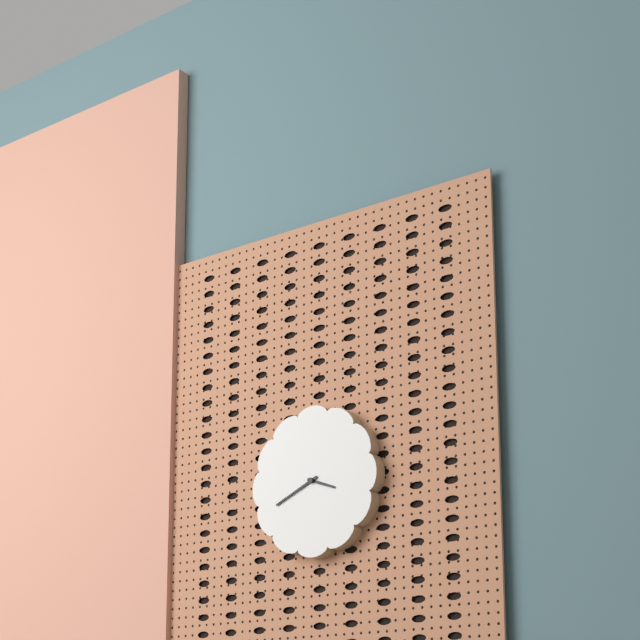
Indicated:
3,41
